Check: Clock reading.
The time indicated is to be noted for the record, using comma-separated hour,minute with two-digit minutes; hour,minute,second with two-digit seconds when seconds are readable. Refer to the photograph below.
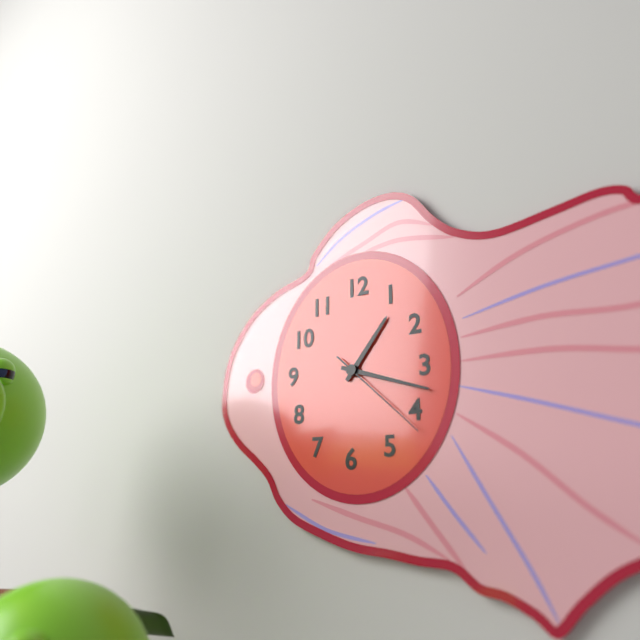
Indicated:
1,18,22
